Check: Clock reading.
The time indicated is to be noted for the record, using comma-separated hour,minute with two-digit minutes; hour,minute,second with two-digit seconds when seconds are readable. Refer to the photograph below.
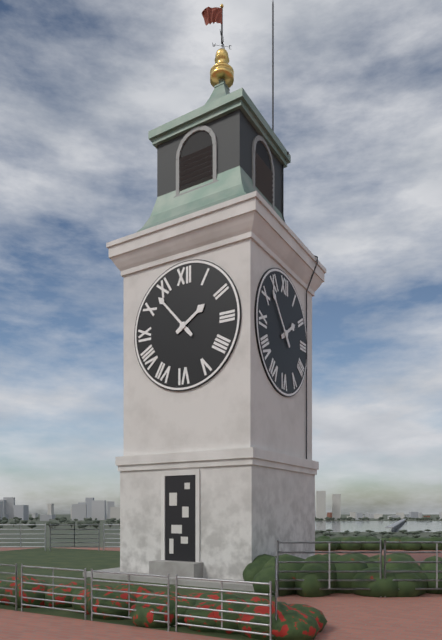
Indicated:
1,53
